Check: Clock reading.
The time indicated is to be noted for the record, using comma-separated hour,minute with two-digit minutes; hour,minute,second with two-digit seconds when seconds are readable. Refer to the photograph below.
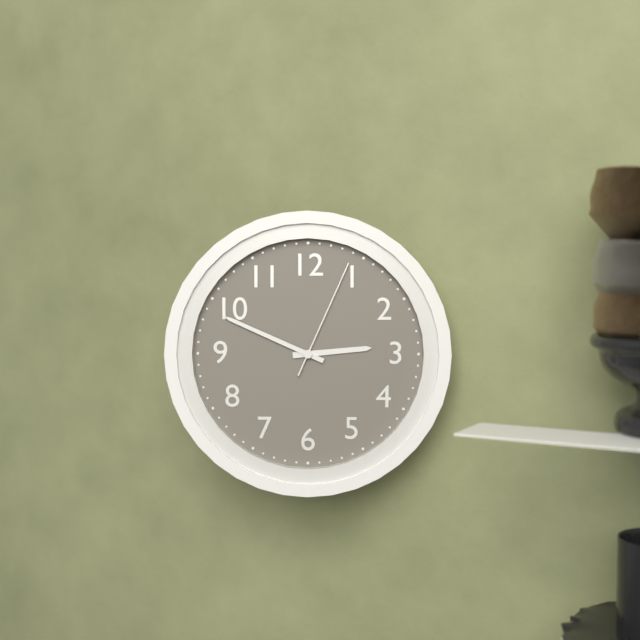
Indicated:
2,49,04
